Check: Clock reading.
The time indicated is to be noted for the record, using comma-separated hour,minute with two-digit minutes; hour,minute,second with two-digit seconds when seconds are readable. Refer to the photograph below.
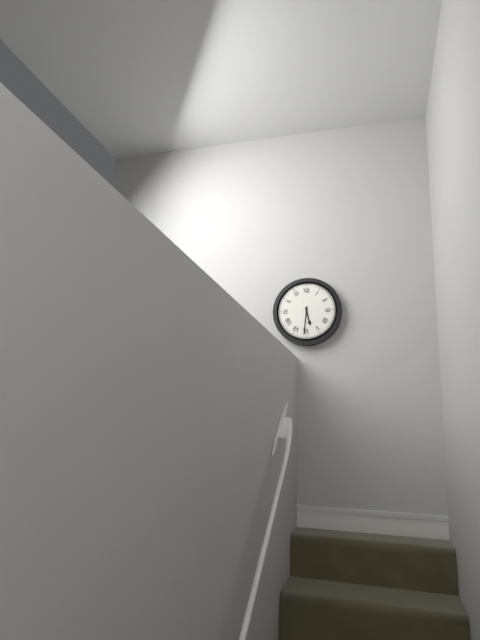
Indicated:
5,31
